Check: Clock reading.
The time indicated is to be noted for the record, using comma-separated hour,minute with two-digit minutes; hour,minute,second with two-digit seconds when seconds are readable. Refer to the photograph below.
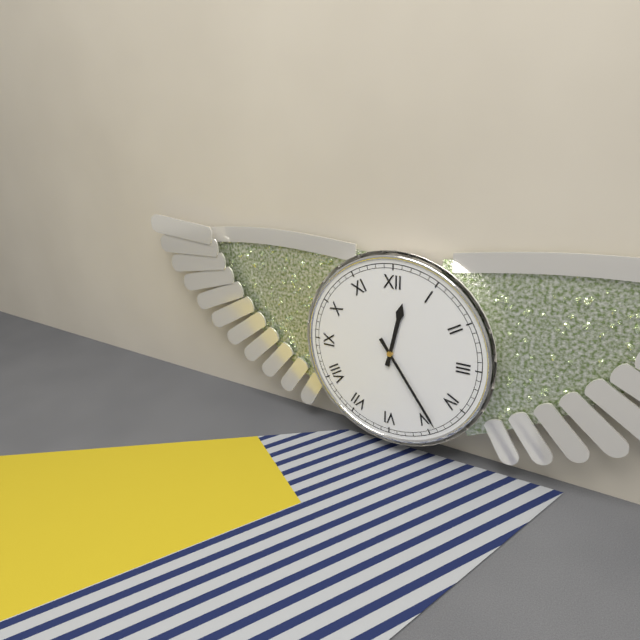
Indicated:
12,24
